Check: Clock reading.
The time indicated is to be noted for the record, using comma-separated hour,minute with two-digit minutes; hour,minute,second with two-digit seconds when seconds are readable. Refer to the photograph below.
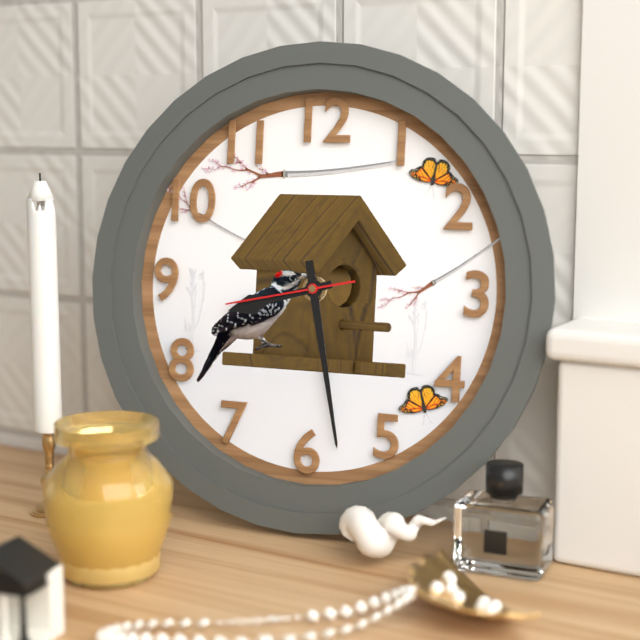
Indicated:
8,28,43
